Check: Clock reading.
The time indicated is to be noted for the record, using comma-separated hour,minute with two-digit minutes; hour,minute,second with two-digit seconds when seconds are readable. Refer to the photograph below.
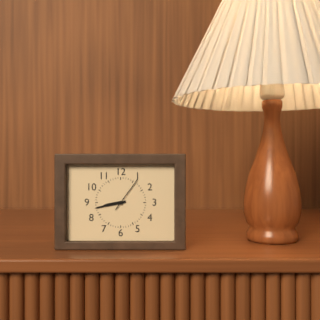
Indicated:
8,43
